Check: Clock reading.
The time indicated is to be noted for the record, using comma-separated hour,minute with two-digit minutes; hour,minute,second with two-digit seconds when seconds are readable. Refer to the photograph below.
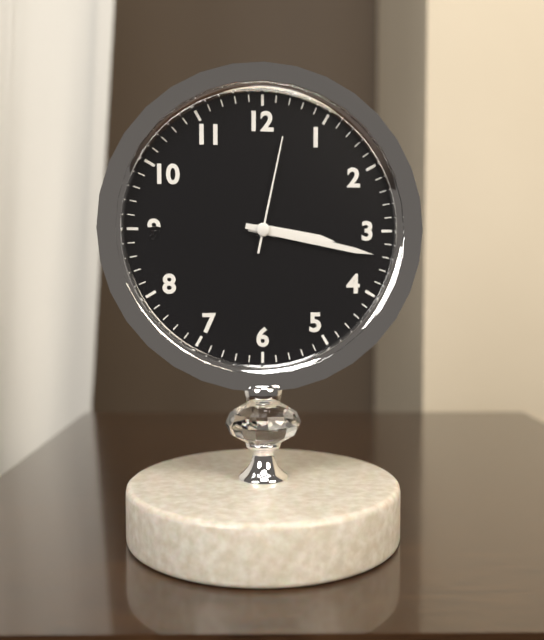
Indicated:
3,17,02
